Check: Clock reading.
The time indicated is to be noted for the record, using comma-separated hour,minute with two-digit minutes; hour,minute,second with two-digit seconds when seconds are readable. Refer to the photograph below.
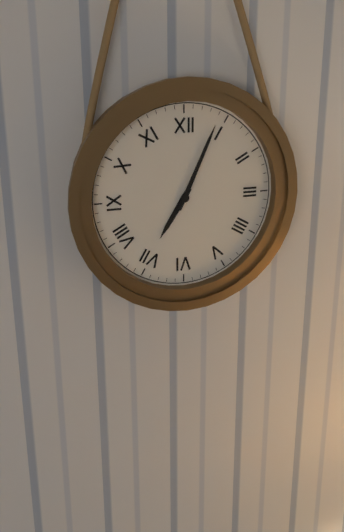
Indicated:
7,04
